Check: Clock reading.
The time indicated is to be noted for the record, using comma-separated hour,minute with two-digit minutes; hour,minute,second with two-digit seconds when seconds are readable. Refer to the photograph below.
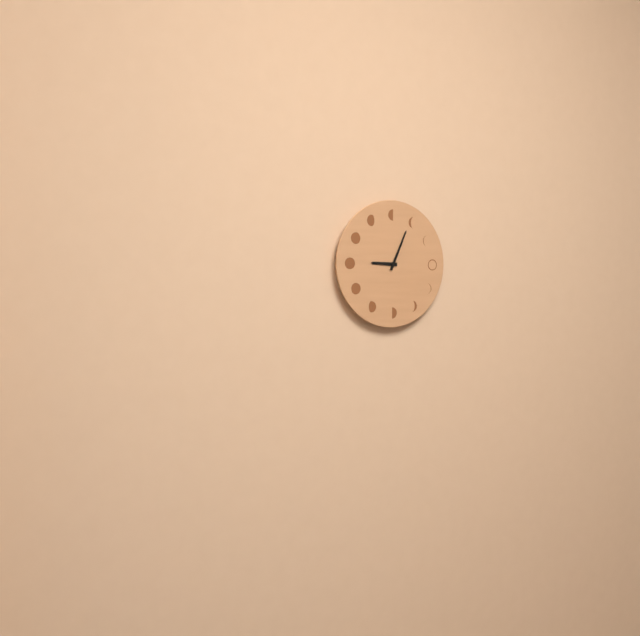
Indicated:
9,04
